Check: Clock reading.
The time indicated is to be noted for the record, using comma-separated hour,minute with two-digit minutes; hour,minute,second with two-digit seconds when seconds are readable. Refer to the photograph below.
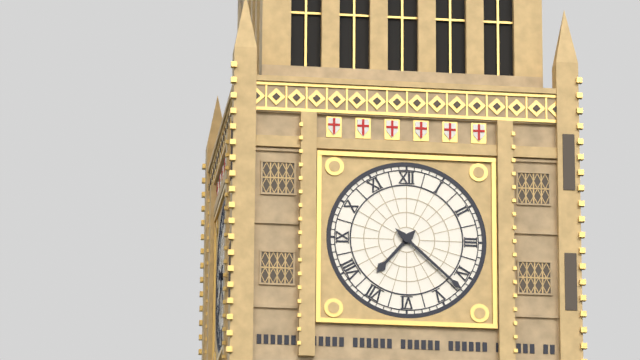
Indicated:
7,22
